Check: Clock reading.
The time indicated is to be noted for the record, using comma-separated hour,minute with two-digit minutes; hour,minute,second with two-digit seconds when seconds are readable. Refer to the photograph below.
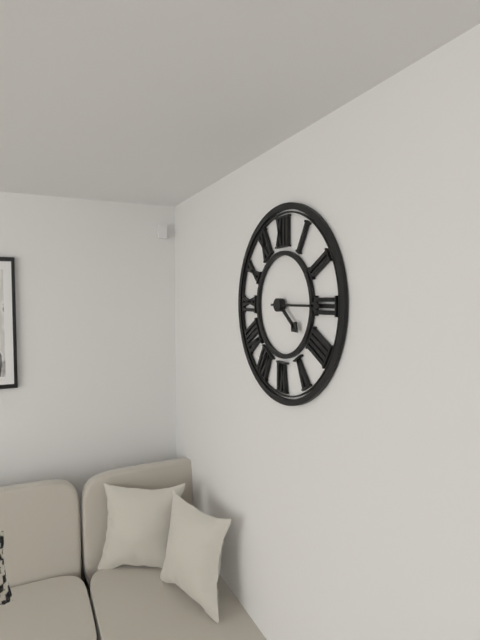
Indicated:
4,15
